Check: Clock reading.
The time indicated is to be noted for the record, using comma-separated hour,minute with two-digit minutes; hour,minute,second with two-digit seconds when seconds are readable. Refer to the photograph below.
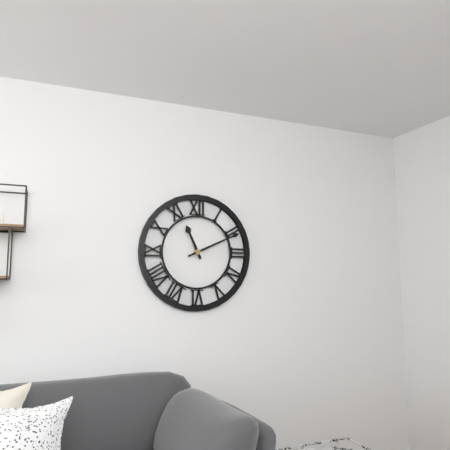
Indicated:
11,11
